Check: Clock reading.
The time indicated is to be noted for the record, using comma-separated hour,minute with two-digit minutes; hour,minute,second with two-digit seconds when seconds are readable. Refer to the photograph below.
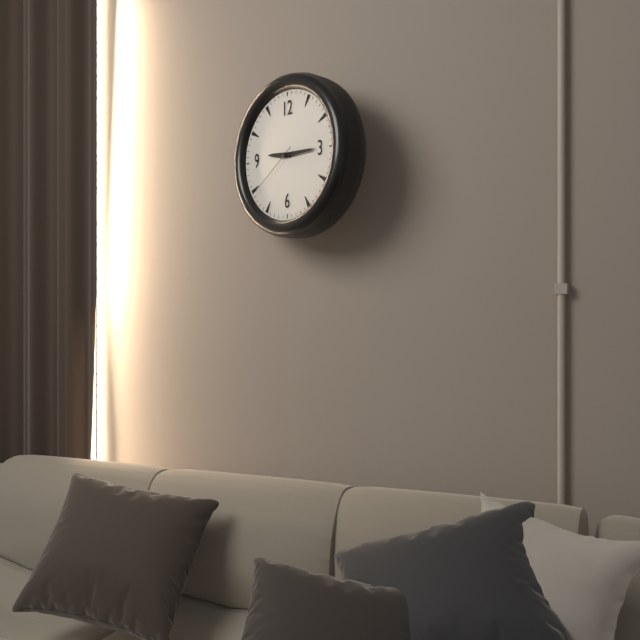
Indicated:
9,15,39
